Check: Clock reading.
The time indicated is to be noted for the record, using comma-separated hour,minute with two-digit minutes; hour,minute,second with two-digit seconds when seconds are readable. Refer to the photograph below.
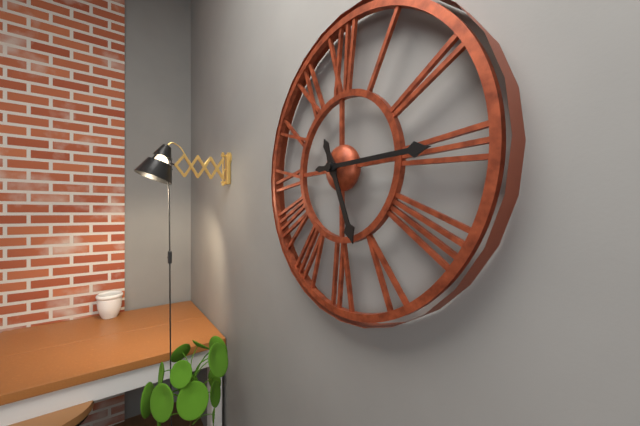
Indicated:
5,15
